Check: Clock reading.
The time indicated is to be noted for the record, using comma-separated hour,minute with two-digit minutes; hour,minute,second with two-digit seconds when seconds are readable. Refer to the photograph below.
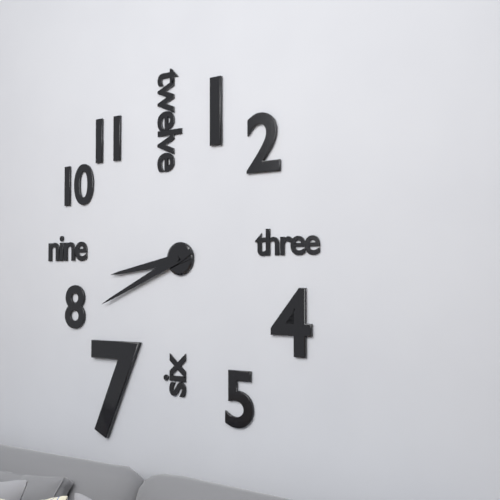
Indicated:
8,41
